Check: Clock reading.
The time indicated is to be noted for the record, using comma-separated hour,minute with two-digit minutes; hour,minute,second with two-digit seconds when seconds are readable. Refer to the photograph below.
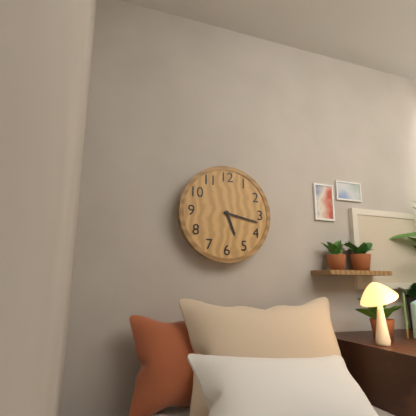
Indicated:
5,17
